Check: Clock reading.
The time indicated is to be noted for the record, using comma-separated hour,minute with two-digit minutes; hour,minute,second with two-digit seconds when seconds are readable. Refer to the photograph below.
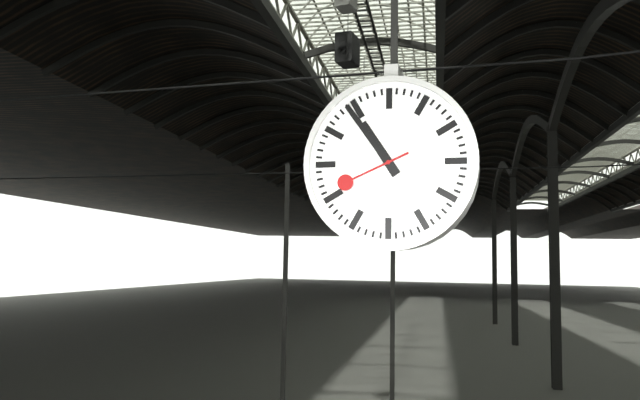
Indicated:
10,54,41
